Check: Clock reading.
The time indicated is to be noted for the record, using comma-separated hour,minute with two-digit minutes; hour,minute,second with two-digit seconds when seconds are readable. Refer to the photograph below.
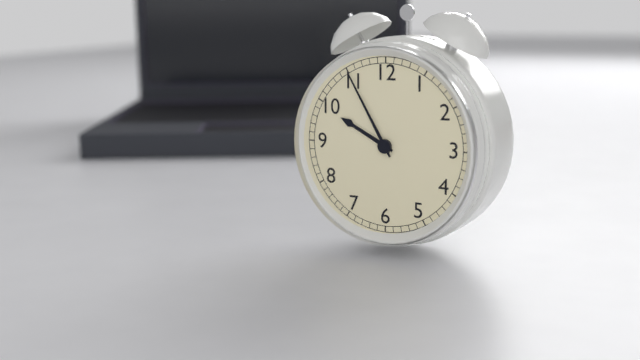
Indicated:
9,55
